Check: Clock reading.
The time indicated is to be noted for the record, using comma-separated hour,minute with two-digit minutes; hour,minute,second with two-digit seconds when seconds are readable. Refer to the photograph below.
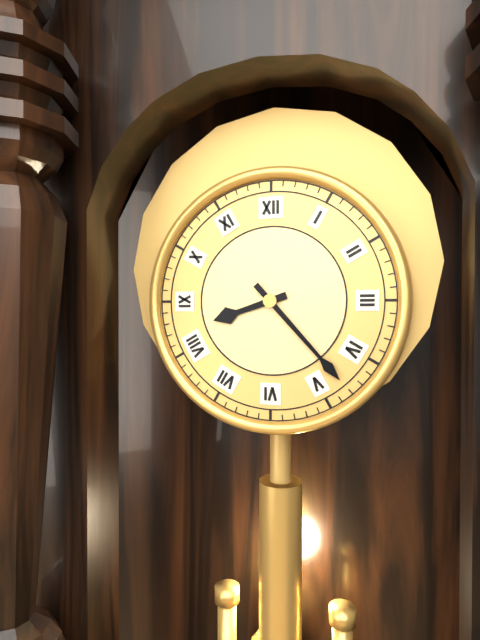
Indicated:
8,23
